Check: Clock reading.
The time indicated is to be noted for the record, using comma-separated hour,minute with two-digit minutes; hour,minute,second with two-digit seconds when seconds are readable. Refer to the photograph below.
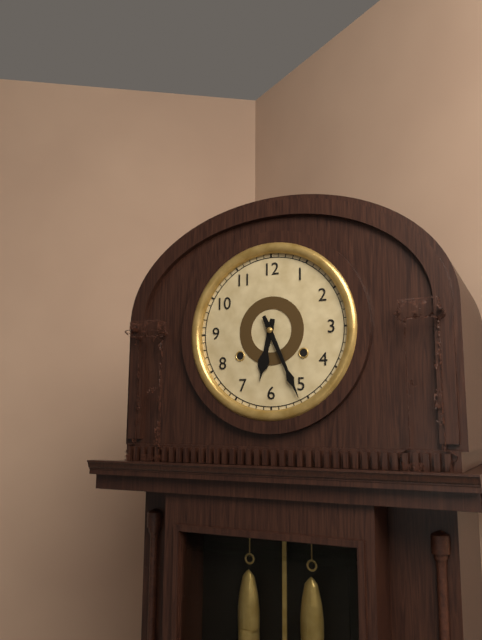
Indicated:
6,26
